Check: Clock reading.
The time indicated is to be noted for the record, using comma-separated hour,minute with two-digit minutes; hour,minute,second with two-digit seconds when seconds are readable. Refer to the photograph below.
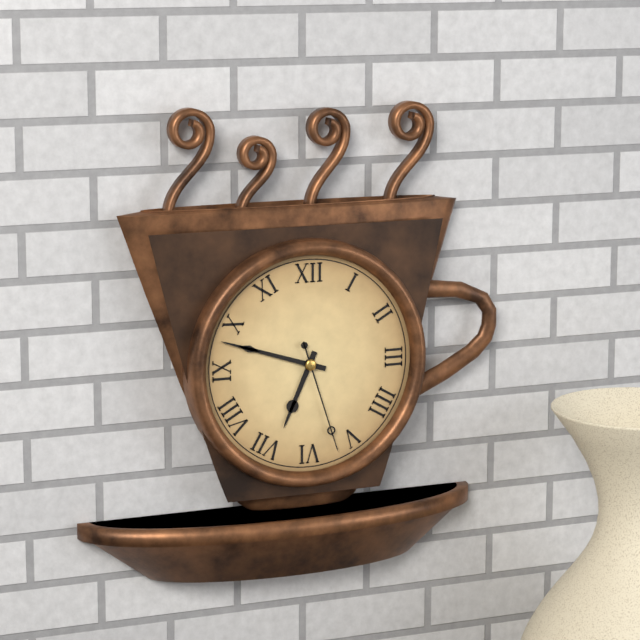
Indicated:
6,48,27
